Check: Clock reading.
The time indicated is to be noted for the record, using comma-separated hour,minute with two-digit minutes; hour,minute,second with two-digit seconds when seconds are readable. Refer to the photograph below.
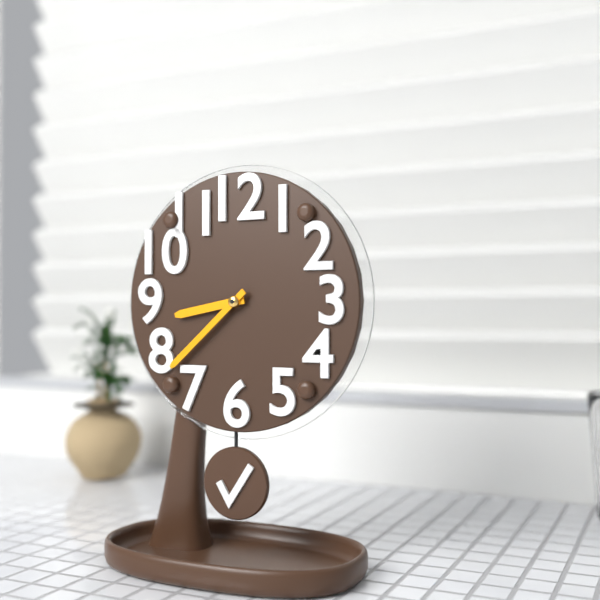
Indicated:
8,38
